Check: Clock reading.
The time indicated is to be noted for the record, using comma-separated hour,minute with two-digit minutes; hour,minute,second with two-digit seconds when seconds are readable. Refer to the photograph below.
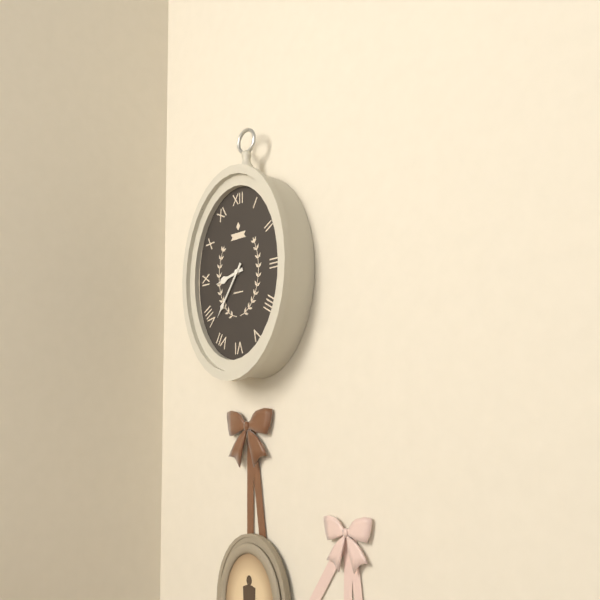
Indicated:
8,36
